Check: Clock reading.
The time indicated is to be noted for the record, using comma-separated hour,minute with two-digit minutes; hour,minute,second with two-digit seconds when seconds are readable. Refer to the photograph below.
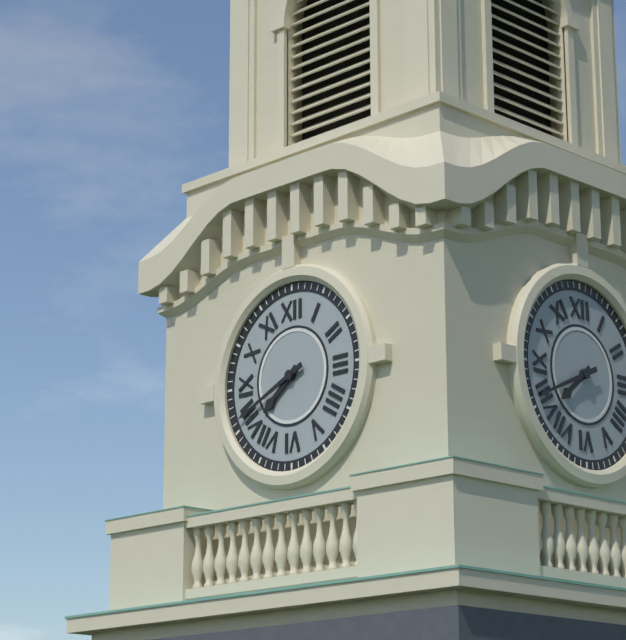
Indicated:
7,41
